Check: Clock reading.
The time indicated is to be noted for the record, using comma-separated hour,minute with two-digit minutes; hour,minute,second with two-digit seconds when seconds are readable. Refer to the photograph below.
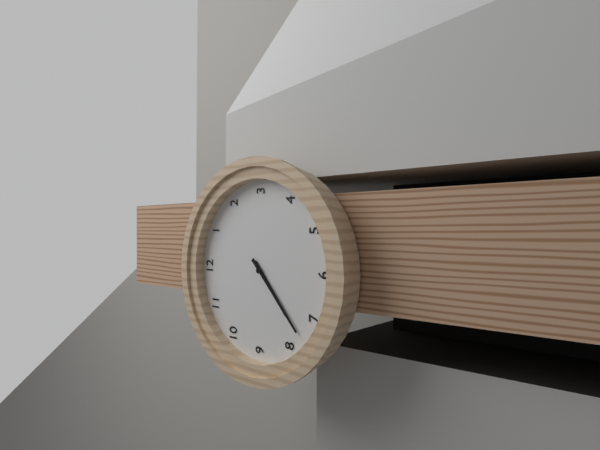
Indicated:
7,38
